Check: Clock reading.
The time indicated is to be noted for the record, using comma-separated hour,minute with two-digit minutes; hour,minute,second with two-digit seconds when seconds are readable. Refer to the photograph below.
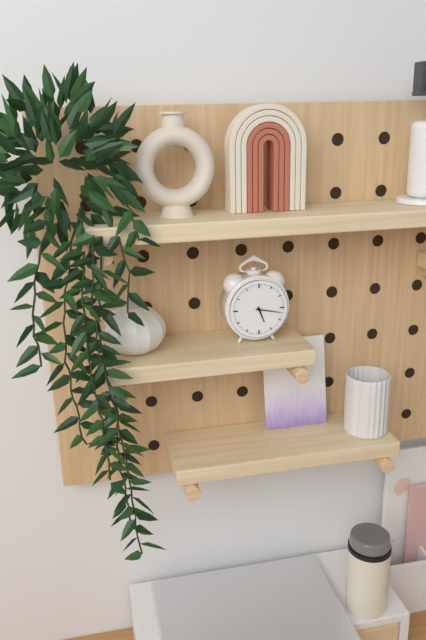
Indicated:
5,17
